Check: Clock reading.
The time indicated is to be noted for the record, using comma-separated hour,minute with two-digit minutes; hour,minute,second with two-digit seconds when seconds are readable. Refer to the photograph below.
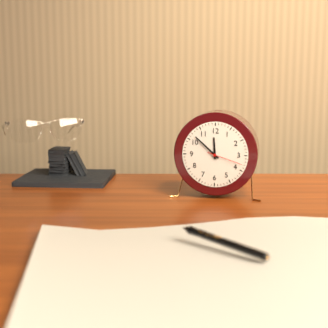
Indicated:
11,52
